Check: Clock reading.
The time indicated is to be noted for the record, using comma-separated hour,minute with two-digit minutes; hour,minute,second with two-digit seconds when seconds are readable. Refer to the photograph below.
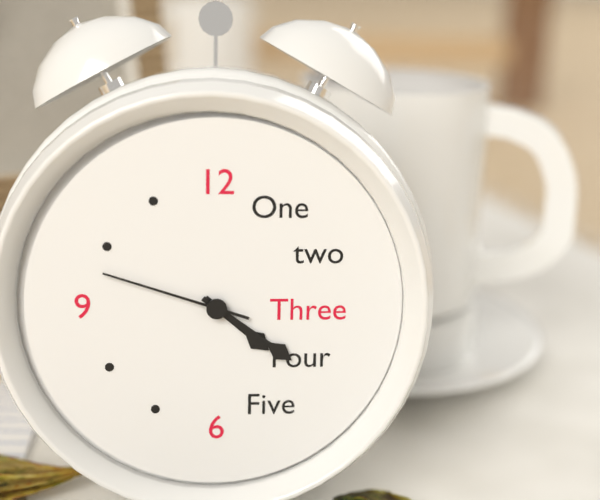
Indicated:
4,21,48
